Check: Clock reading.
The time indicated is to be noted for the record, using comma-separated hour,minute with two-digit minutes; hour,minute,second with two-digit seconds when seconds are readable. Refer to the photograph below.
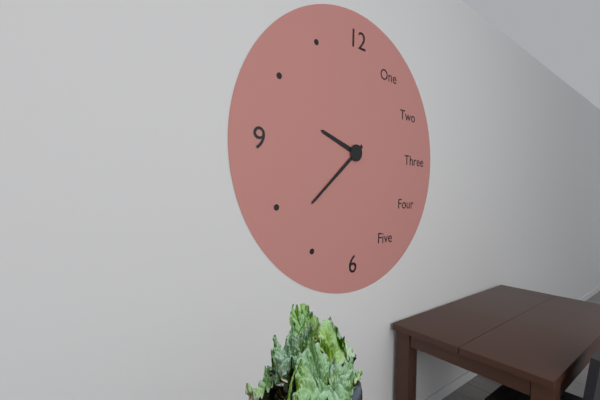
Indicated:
9,38
